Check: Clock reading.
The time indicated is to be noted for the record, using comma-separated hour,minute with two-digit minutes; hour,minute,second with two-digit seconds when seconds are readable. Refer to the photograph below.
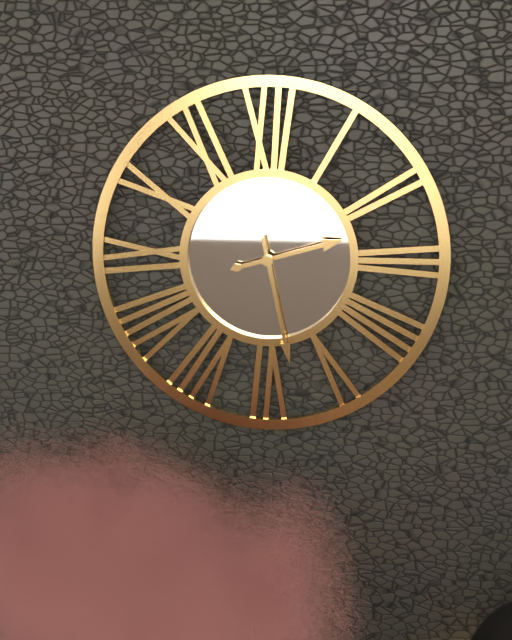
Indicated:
2,28
